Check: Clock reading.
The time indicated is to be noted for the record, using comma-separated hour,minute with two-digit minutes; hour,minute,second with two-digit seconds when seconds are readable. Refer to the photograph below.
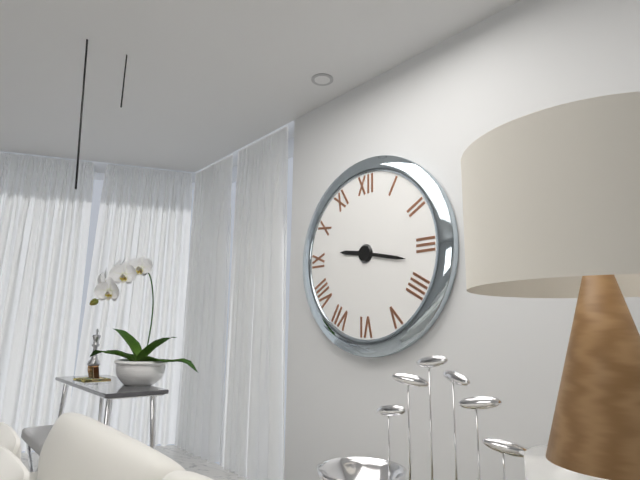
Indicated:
9,17
